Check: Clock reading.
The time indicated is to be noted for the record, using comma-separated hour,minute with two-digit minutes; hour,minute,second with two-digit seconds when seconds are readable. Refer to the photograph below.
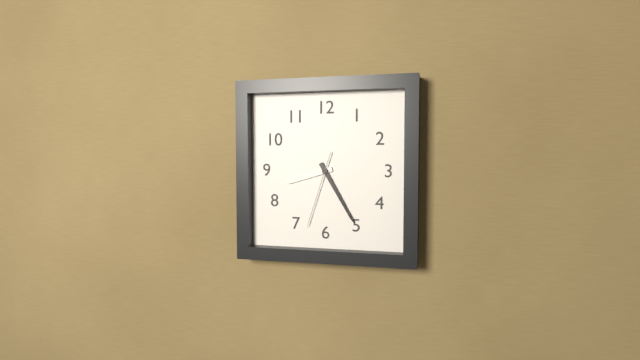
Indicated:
8,25,33
